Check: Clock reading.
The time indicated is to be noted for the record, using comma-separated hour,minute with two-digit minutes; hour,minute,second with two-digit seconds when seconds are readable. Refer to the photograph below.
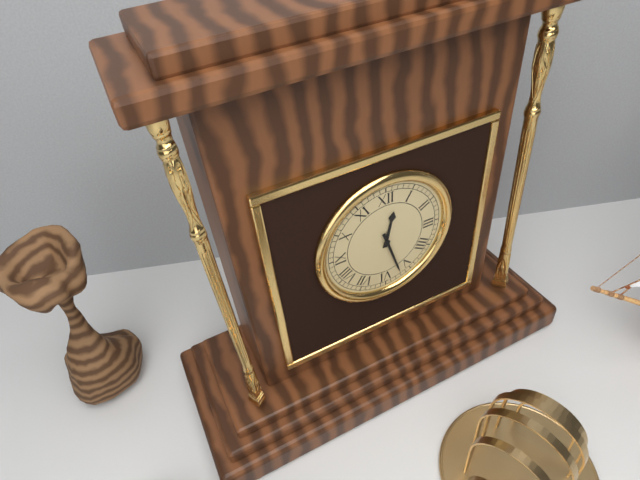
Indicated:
12,27
